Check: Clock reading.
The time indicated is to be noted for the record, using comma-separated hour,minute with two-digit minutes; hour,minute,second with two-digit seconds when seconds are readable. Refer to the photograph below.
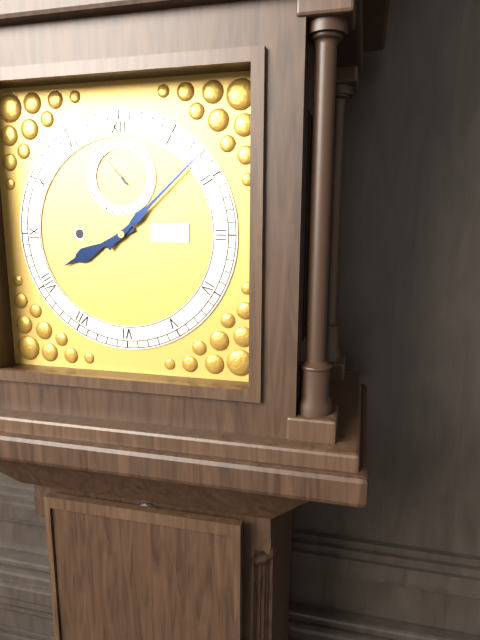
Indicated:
8,08
